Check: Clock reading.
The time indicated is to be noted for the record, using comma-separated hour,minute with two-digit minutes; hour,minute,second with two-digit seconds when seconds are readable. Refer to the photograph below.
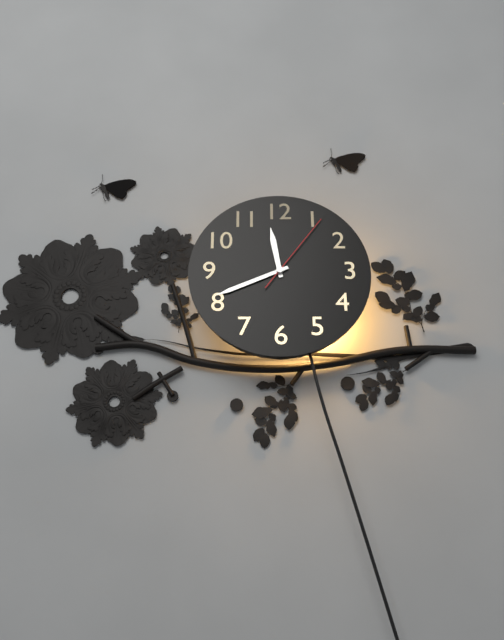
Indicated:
11,41,06
